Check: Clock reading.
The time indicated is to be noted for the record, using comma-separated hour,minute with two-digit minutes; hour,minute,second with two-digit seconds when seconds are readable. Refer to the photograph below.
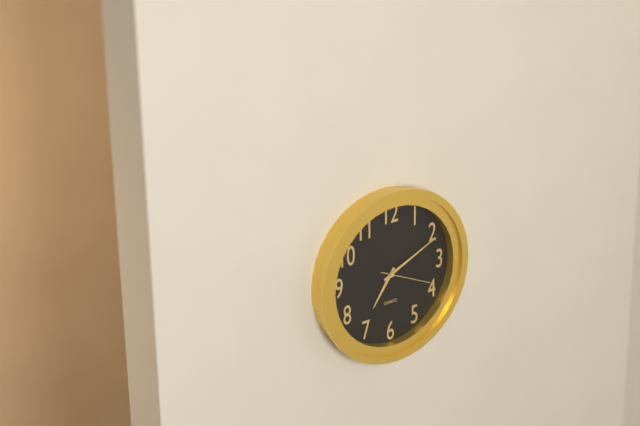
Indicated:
7,11,19
